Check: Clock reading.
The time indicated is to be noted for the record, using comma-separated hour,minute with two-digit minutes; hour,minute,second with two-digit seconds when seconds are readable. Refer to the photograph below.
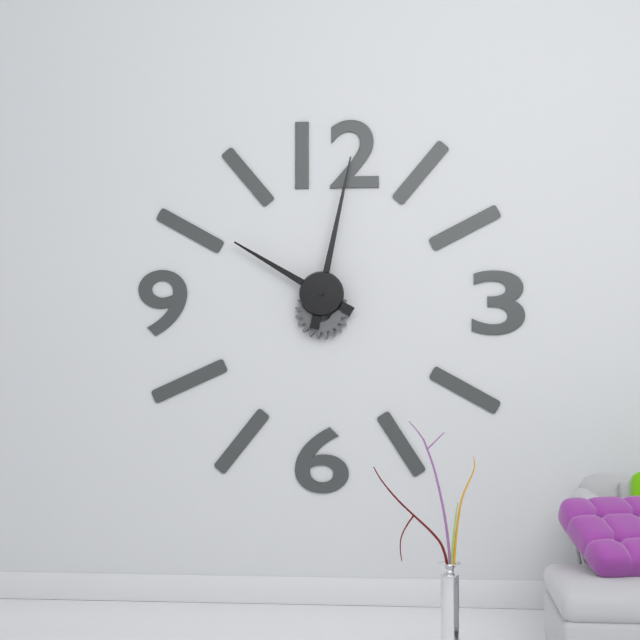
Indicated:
10,02
